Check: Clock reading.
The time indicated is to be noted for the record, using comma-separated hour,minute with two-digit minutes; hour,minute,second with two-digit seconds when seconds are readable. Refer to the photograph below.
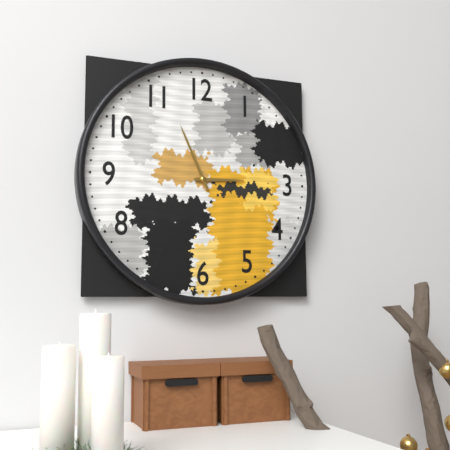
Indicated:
2,56
